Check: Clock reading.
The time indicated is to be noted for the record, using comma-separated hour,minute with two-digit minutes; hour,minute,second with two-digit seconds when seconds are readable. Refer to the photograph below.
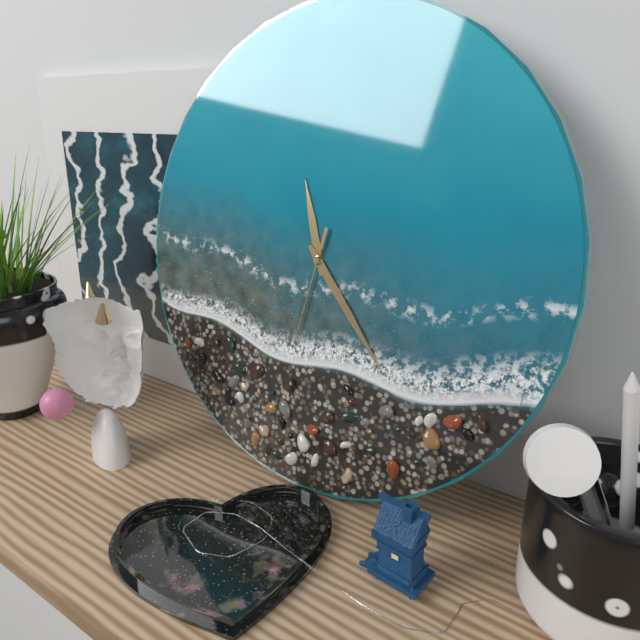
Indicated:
11,23,32
